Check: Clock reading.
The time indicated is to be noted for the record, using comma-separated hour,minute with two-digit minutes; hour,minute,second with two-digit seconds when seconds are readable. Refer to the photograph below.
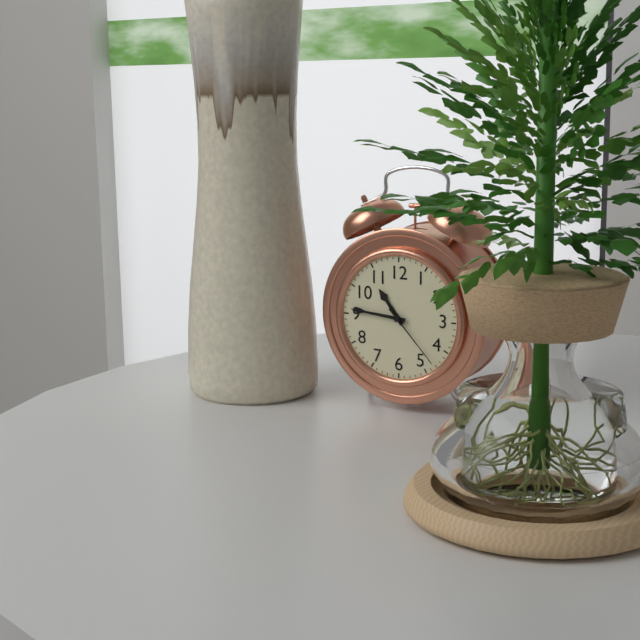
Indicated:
10,46,23
